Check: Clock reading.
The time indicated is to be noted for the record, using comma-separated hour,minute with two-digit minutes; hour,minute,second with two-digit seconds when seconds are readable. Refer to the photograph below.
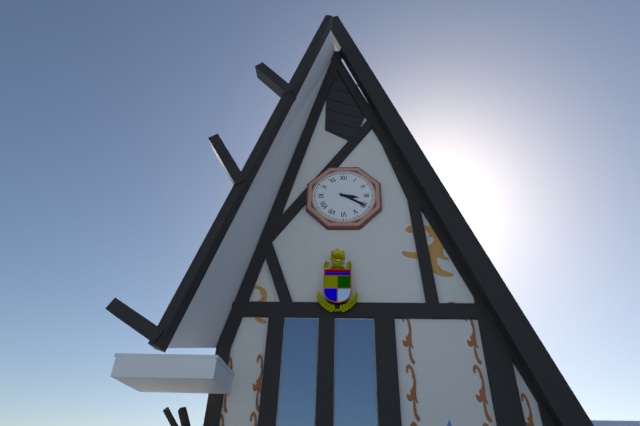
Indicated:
3,20
